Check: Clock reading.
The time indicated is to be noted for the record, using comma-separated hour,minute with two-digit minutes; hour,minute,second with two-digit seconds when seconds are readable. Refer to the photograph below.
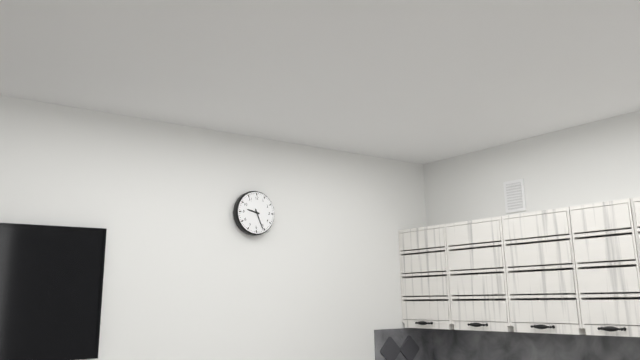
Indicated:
9,26
